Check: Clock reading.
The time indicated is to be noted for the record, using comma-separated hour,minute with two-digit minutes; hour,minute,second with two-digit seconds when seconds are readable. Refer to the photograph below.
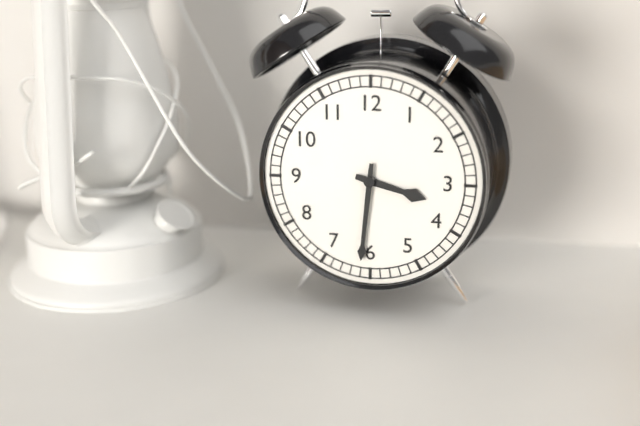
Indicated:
3,31
